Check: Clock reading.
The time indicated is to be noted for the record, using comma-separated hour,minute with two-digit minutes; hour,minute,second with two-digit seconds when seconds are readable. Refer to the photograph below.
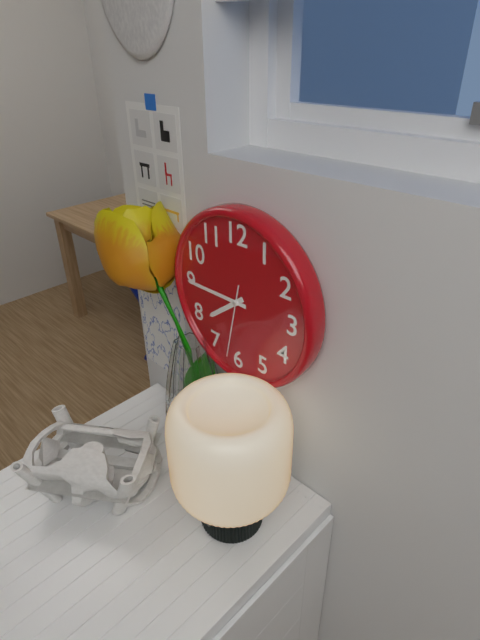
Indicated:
7,45,32
